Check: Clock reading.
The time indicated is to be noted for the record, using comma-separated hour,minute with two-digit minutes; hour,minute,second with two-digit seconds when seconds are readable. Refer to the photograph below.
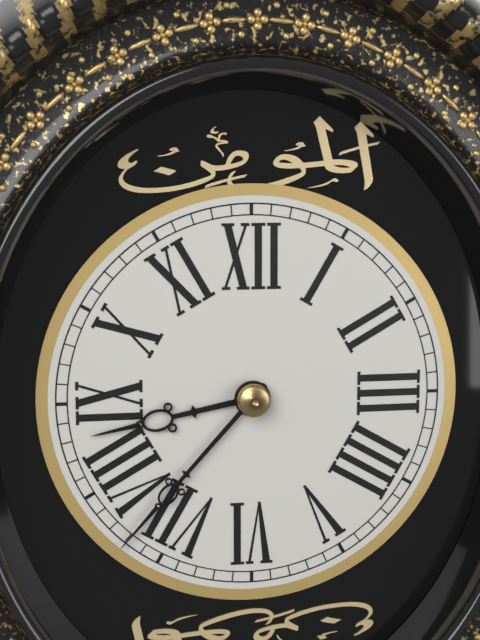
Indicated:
8,37
